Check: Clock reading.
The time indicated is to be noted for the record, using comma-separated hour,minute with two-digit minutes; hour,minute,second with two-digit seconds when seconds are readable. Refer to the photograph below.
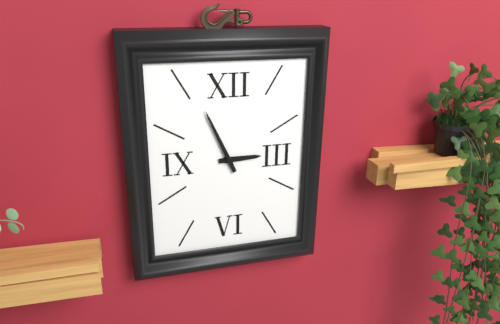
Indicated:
2,56
